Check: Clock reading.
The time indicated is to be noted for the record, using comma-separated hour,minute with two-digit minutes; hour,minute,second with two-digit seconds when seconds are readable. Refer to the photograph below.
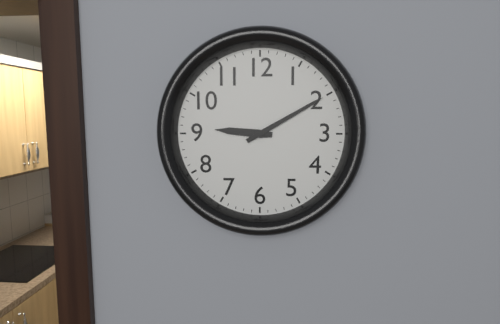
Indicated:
9,10
